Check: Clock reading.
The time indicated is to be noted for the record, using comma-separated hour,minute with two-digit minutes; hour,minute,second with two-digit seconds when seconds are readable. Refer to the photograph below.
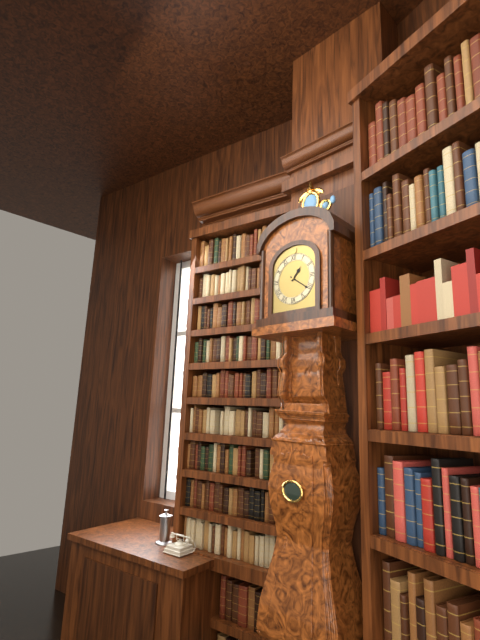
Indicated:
1,21
